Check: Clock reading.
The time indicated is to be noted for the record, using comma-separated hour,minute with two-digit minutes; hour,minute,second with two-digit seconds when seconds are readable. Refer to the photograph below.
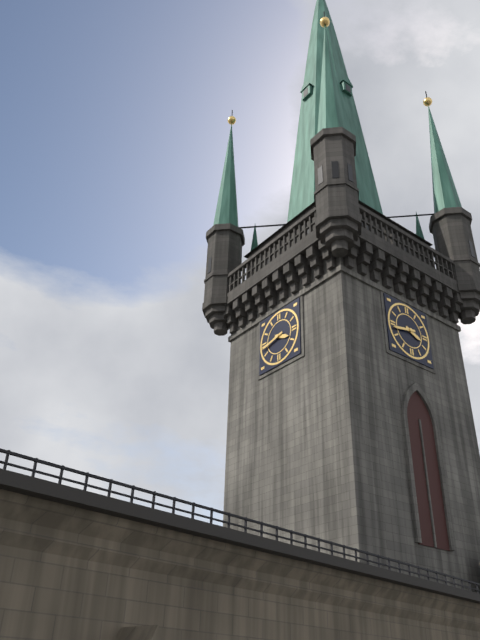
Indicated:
3,43
